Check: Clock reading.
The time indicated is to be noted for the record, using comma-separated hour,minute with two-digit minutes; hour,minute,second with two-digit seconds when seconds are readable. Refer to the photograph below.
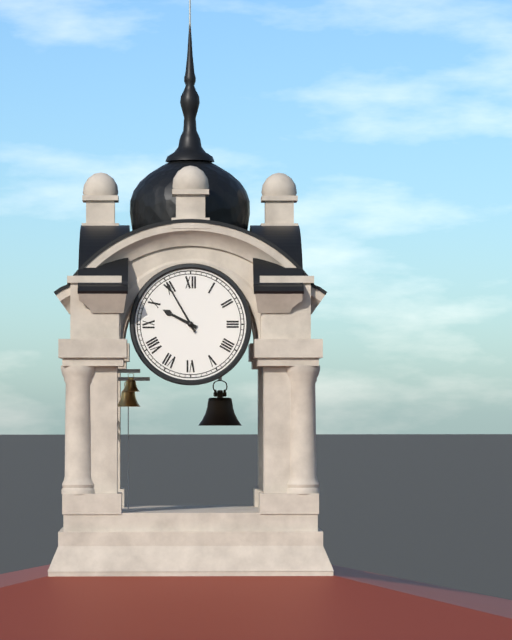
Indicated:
9,55
